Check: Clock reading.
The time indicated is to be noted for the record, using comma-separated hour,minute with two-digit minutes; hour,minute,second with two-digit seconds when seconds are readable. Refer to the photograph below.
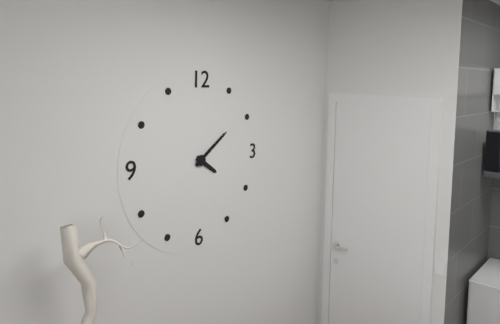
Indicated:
4,09
